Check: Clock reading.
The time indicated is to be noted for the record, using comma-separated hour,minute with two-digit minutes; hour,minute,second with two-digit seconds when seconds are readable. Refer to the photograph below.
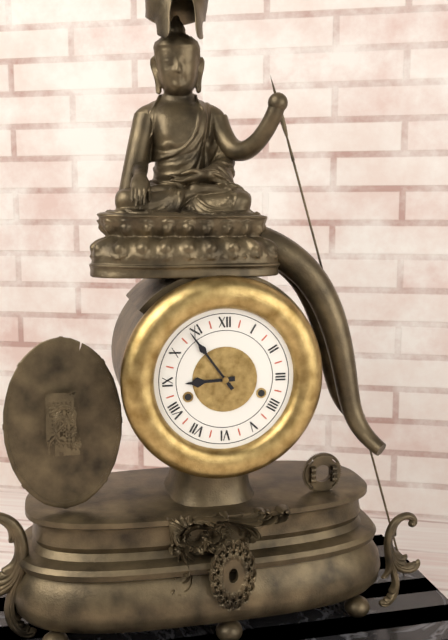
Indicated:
8,54
